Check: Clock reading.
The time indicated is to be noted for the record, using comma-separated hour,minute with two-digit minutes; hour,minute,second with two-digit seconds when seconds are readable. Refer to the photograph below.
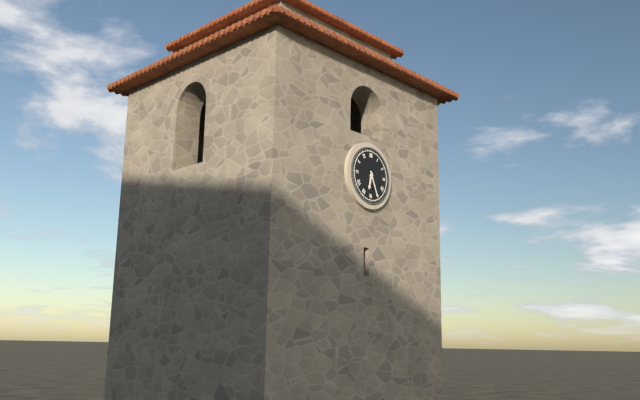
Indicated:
6,26
